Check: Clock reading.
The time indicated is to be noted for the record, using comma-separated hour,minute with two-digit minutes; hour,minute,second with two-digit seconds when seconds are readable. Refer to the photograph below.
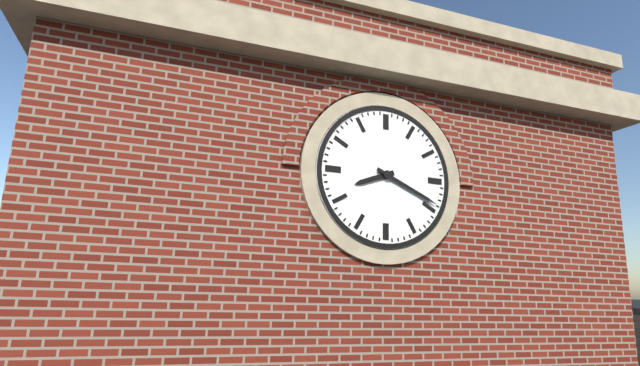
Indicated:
8,19
